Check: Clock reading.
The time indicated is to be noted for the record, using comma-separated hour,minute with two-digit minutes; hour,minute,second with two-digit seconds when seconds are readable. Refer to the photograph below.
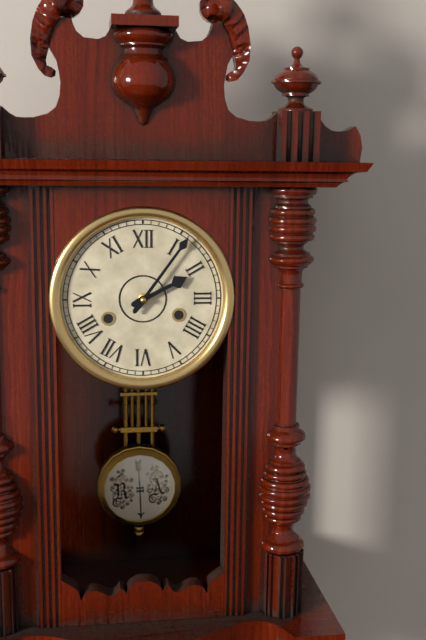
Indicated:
2,06
